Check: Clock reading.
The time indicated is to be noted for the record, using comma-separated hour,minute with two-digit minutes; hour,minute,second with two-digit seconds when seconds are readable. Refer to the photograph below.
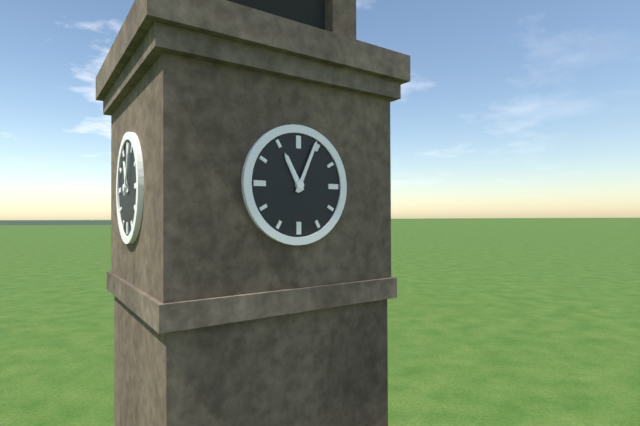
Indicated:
11,04
